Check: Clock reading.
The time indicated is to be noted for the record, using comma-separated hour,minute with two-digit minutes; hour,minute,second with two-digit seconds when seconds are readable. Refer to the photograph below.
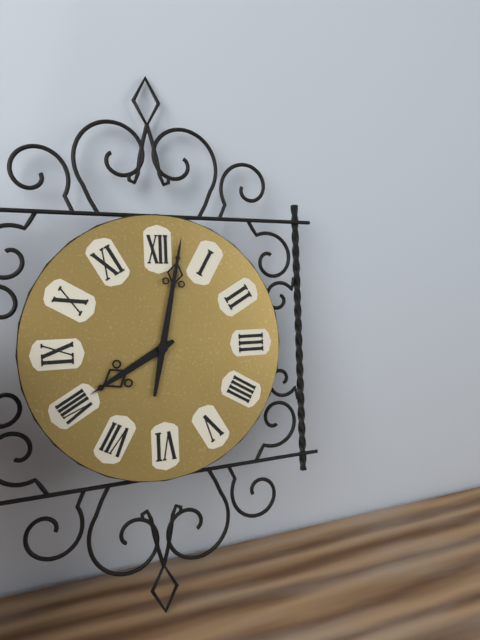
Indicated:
8,02
